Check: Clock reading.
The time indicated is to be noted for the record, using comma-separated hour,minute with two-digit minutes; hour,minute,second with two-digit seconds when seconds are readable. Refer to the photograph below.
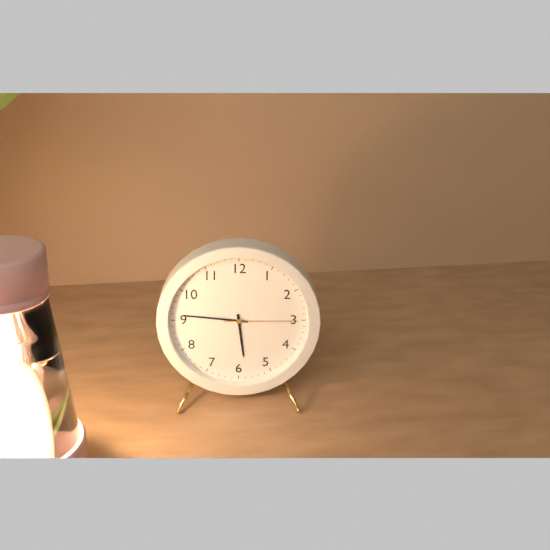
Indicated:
5,46,15
